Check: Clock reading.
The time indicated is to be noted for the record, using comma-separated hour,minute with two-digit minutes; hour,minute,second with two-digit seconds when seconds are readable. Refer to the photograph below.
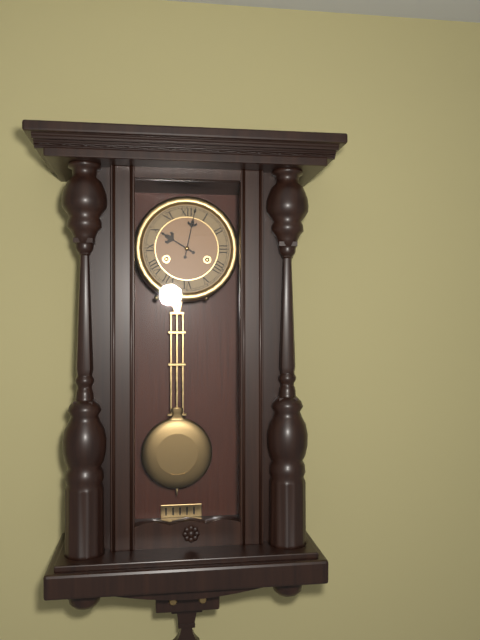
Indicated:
10,02
